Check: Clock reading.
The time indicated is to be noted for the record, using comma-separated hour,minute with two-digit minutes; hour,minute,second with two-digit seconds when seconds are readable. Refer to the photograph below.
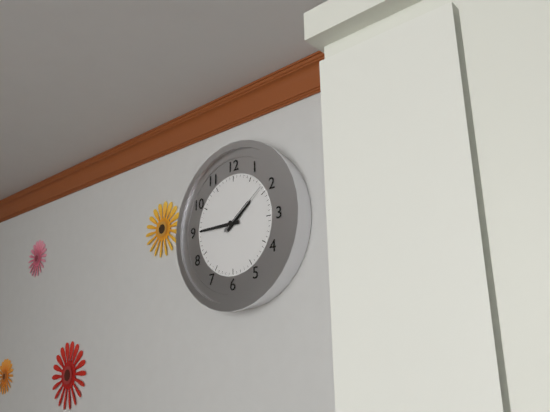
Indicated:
1,45,09
